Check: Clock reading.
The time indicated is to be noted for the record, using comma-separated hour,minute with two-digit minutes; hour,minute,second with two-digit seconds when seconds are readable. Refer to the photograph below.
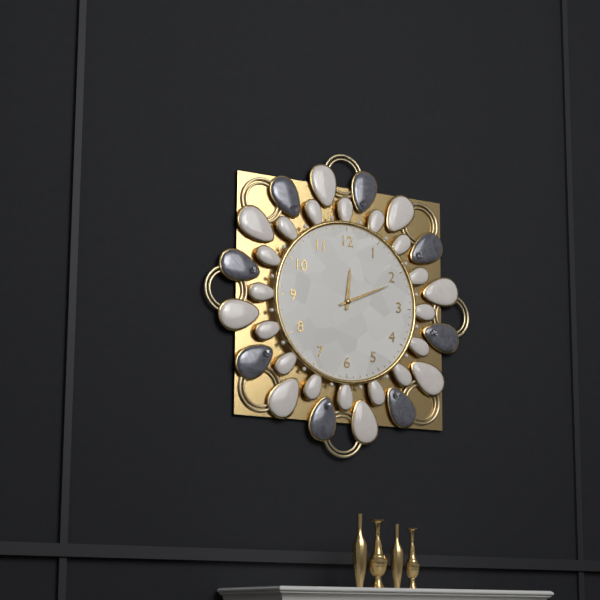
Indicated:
12,11
